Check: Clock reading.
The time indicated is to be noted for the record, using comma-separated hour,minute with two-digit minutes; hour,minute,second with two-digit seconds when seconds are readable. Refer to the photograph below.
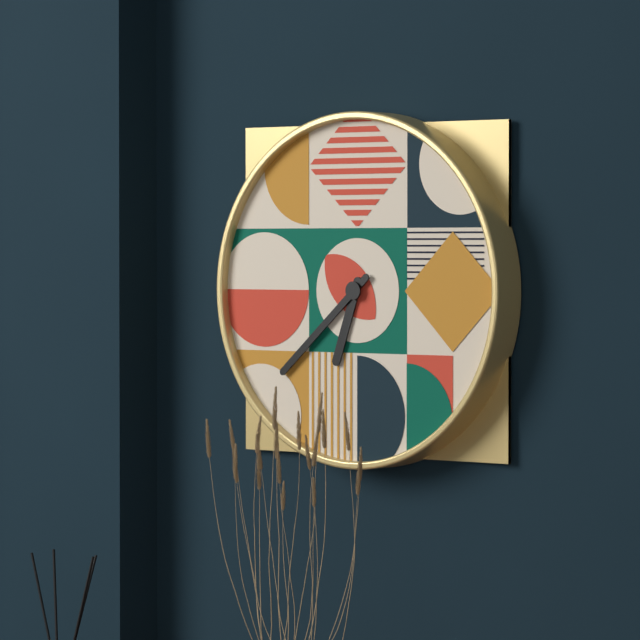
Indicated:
6,38
